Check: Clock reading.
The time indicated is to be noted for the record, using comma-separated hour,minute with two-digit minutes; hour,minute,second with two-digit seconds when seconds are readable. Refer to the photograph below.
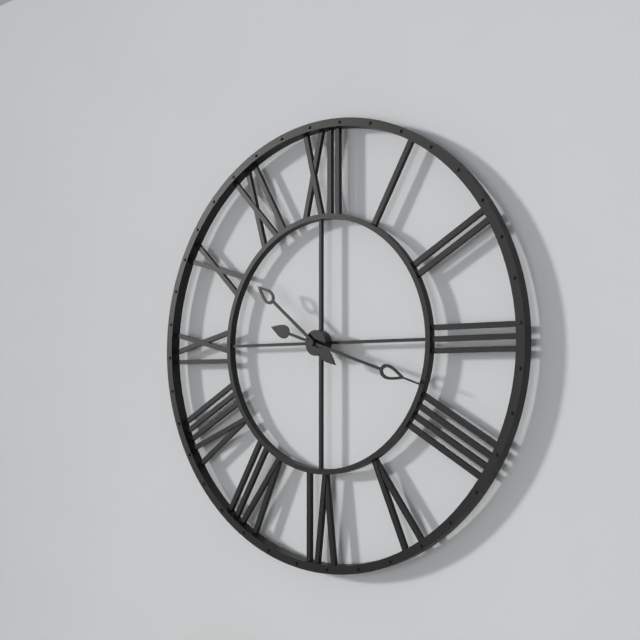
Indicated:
10,18
